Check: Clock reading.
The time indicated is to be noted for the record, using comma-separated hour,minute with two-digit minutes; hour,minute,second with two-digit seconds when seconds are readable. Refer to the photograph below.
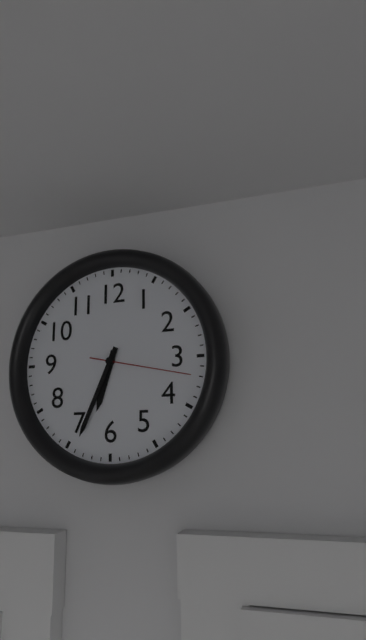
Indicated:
6,34,17
